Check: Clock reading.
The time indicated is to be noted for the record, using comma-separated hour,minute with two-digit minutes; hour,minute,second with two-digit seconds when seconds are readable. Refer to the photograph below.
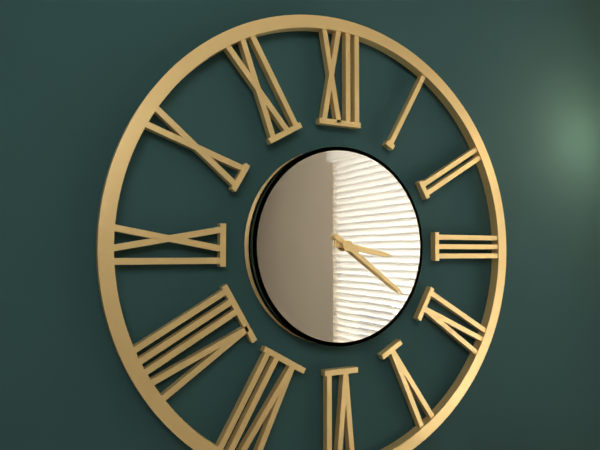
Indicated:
3,21
